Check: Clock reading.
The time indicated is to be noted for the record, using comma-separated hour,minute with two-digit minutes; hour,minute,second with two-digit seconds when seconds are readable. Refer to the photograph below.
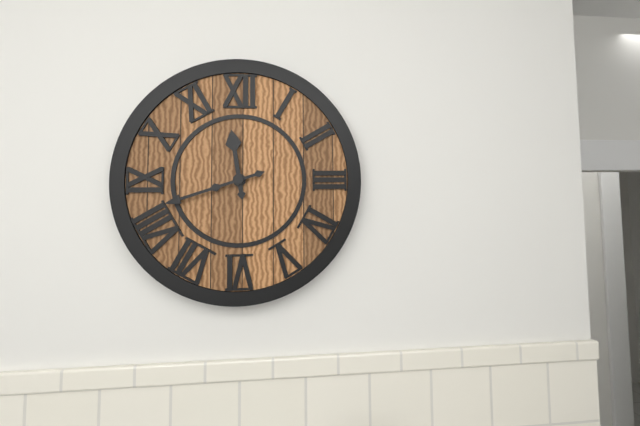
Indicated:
11,42
